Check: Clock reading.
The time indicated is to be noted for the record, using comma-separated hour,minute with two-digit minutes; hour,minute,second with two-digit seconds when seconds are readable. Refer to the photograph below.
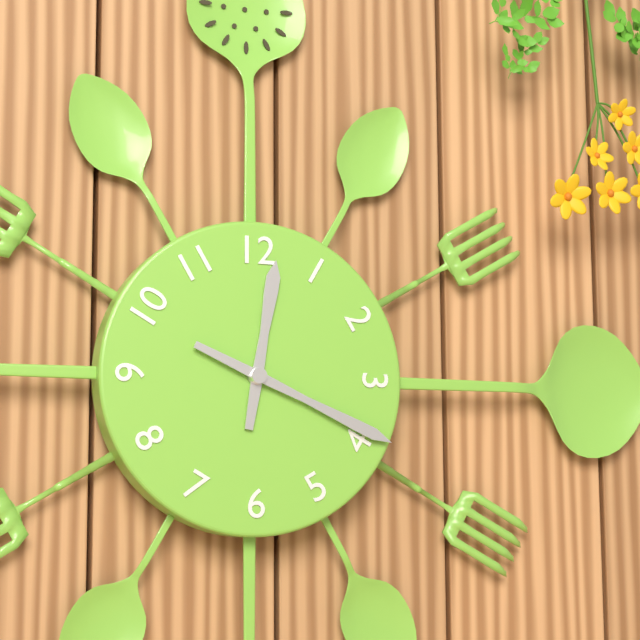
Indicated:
12,19
